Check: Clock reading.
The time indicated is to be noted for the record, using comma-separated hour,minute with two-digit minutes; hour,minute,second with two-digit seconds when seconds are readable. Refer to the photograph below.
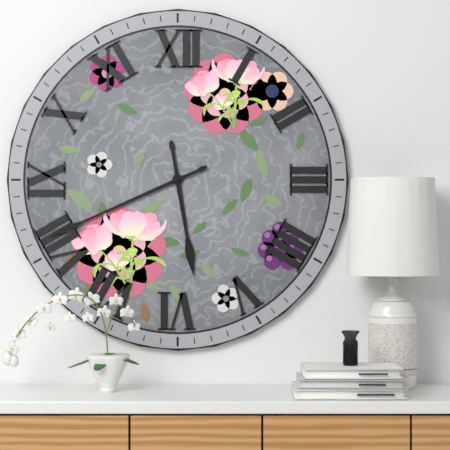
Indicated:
5,41
